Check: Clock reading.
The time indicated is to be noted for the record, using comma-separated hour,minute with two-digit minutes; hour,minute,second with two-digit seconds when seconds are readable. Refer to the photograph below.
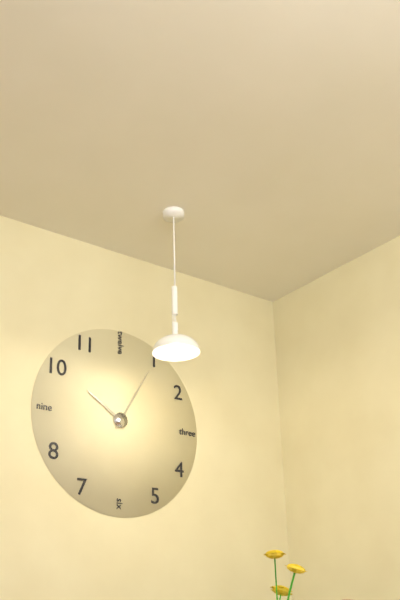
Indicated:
10,05
